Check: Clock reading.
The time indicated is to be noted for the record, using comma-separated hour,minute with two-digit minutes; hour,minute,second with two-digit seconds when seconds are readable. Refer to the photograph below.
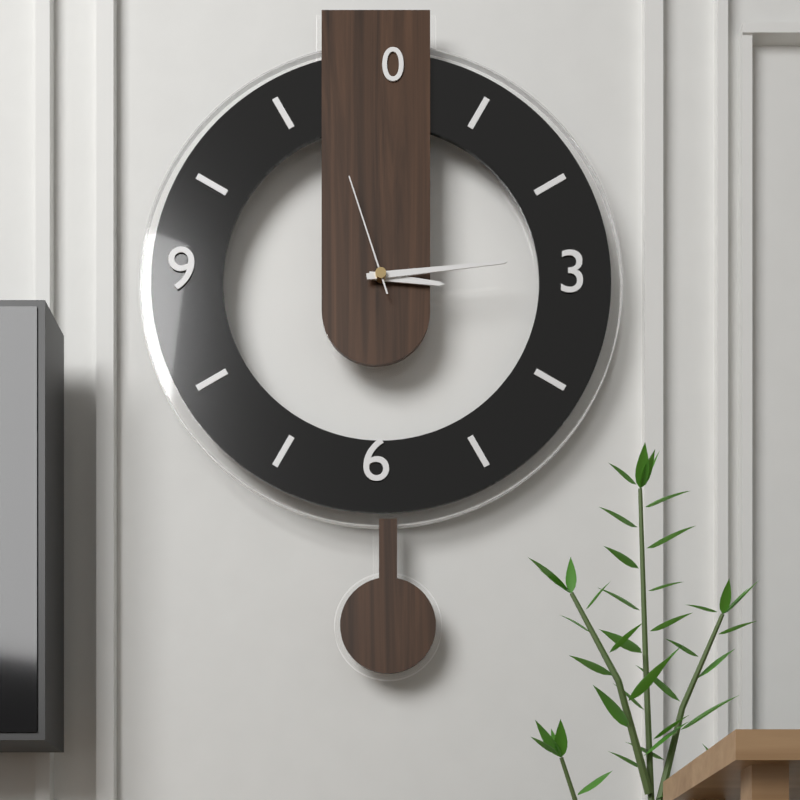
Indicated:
3,14,57
